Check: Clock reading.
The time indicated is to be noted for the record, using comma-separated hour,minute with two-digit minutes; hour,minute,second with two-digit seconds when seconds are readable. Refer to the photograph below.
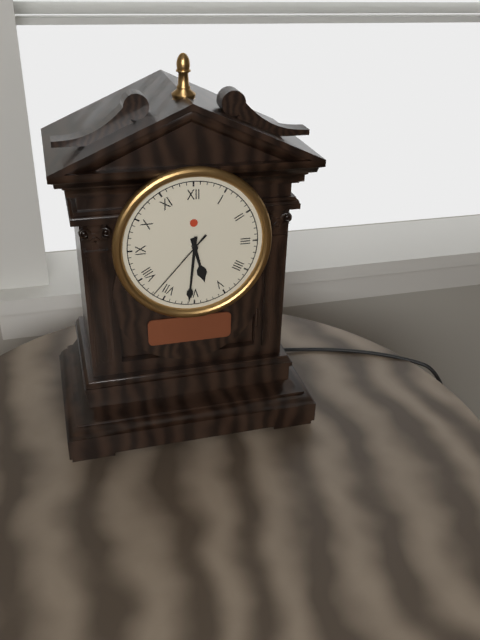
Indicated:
5,31,37
